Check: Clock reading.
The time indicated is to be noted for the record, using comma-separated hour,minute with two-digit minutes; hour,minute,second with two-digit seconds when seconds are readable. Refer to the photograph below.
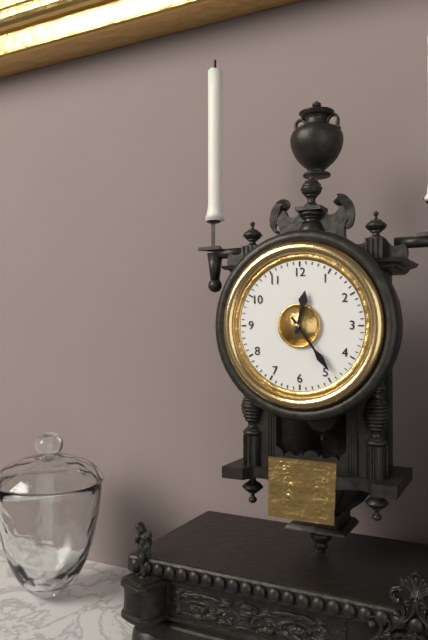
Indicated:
12,24
